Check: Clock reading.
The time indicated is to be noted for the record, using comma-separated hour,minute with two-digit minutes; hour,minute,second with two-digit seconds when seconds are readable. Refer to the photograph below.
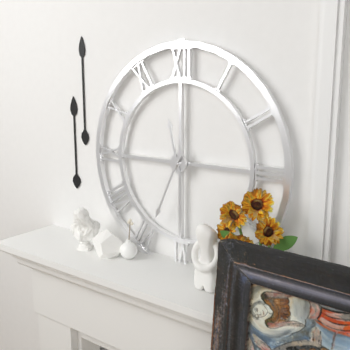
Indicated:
11,34
